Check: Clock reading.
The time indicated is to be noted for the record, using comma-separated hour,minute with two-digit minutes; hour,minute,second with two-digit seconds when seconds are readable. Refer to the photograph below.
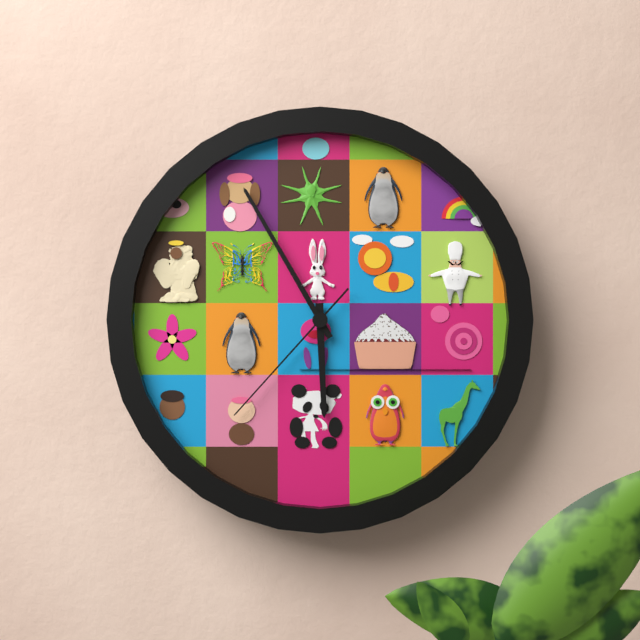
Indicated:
5,55,37
